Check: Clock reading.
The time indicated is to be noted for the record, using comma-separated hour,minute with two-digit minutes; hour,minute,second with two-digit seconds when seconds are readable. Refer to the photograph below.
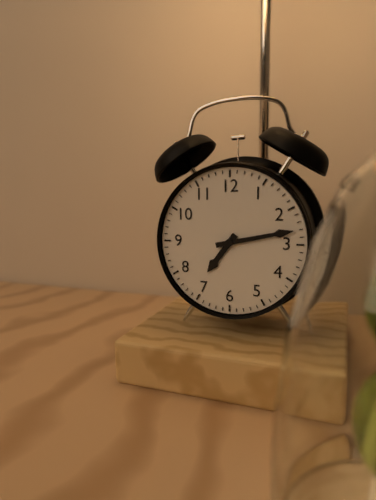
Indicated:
7,13
